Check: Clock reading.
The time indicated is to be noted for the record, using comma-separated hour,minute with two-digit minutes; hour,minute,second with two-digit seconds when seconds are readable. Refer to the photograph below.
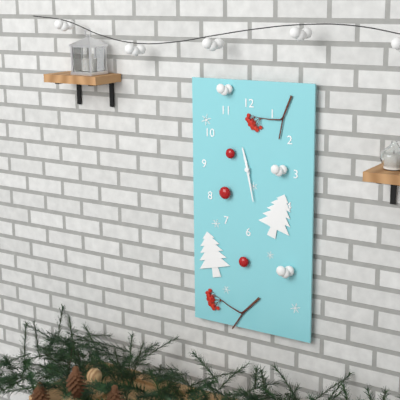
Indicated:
11,28
